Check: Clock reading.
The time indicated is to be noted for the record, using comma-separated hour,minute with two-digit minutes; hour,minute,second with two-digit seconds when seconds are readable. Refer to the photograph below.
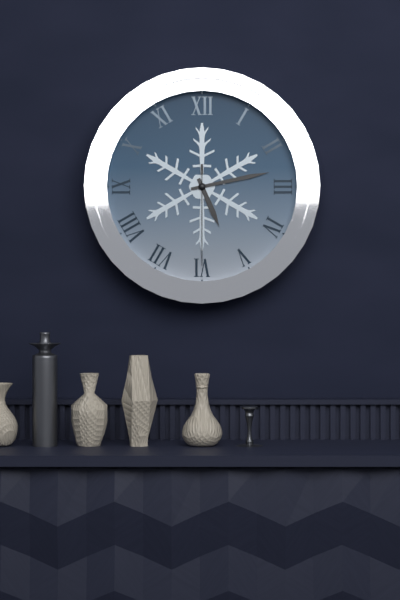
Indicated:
5,13,30
